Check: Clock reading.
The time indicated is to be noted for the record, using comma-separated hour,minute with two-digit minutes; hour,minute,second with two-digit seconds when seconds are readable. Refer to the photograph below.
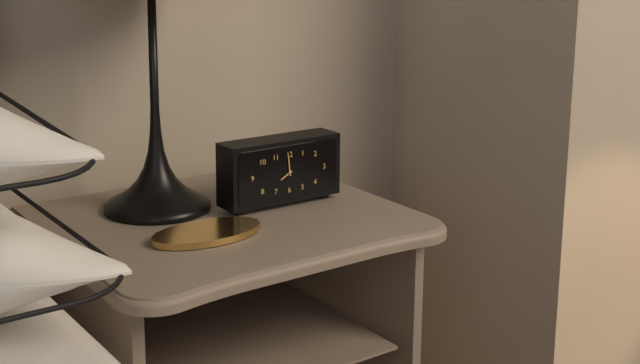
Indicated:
7,59
